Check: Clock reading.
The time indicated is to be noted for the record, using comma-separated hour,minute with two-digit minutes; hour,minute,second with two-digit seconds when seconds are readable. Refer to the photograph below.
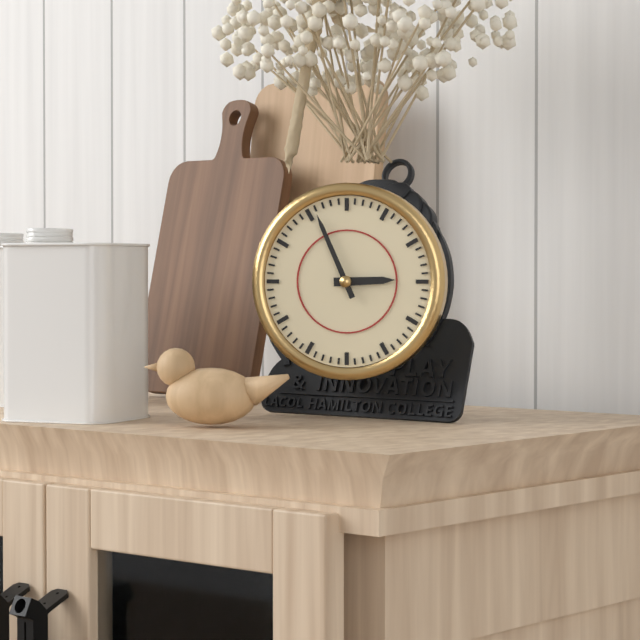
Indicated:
2,56
